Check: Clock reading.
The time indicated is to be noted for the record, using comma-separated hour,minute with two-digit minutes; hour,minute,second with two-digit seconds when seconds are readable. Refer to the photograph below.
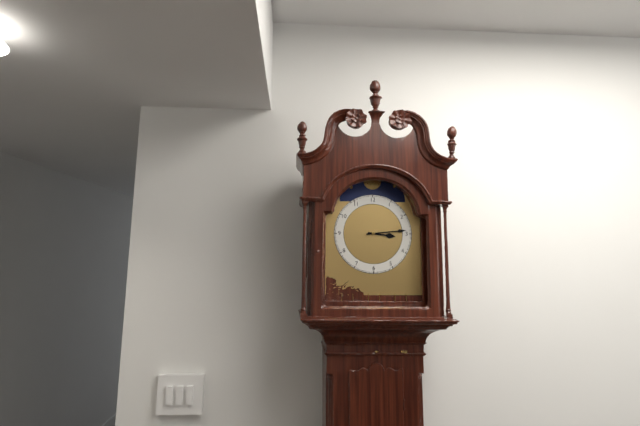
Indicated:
3,14
